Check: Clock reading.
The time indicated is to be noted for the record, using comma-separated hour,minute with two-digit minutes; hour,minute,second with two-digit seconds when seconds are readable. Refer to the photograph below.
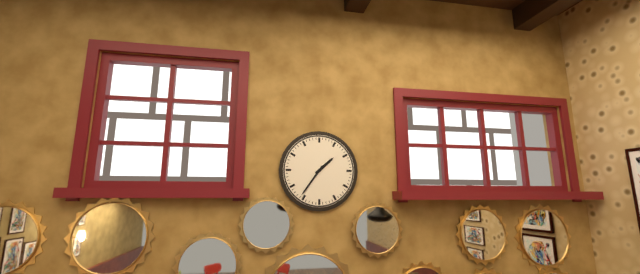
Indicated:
1,36
